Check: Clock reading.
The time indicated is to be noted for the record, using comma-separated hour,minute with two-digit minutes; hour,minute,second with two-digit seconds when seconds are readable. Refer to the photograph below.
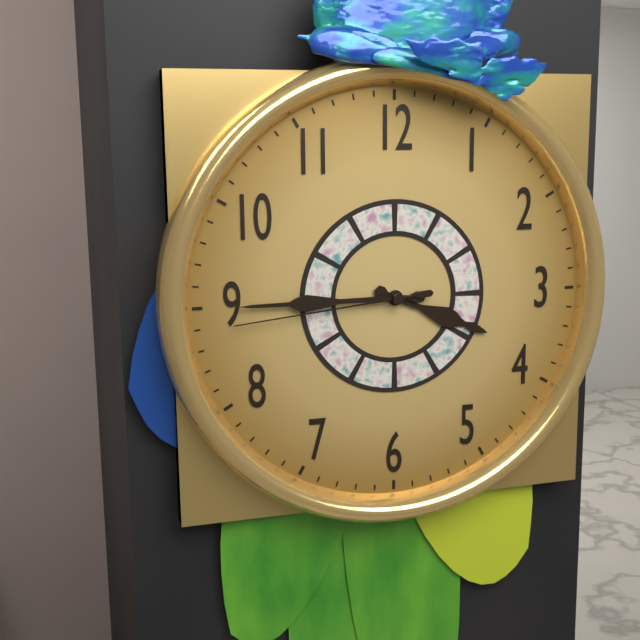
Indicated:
3,45,44
